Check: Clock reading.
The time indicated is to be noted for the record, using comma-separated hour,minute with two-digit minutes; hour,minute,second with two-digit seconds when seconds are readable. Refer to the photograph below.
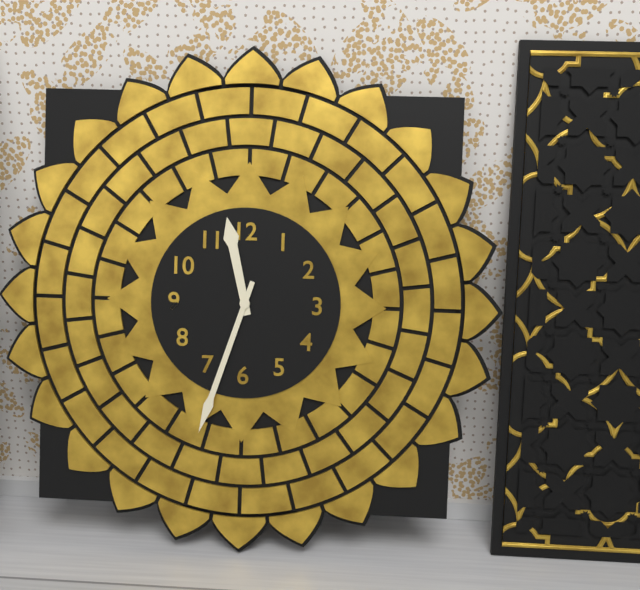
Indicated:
11,33
